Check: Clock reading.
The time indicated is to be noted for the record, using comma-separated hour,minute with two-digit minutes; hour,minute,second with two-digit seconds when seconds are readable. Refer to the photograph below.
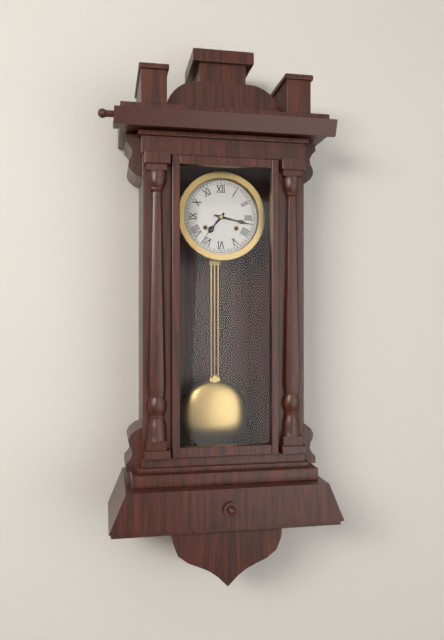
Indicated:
7,17
